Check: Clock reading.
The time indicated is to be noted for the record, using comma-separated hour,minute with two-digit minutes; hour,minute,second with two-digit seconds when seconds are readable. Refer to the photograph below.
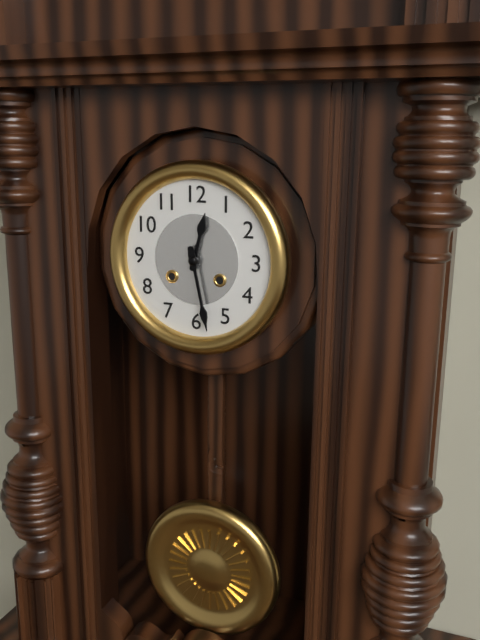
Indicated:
12,28
